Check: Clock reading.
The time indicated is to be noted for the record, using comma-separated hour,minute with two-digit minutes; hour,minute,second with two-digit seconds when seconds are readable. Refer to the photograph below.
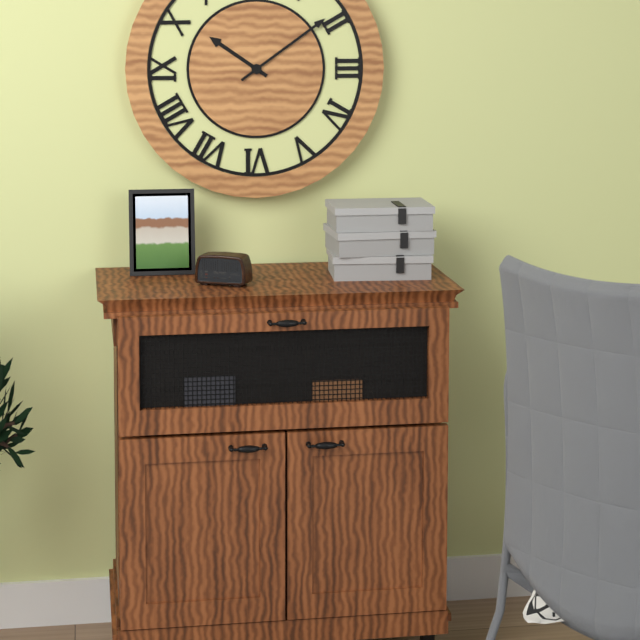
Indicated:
10,09
